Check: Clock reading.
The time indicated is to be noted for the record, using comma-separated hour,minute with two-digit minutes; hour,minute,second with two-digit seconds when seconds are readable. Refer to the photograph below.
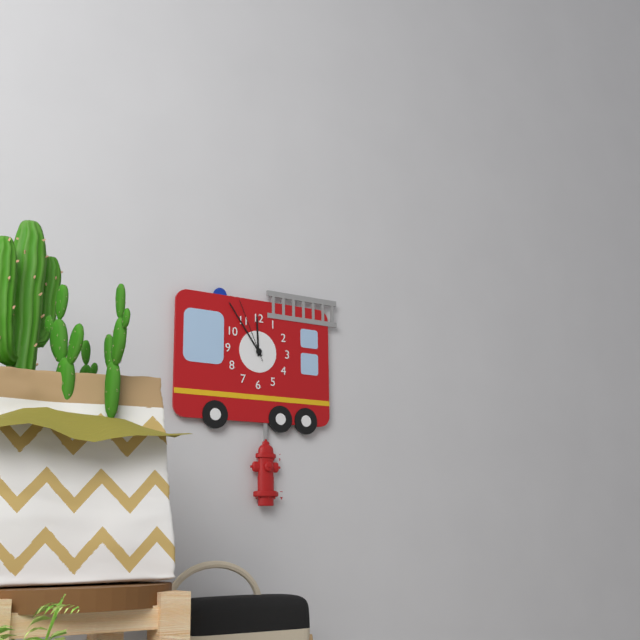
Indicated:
11,54,56
